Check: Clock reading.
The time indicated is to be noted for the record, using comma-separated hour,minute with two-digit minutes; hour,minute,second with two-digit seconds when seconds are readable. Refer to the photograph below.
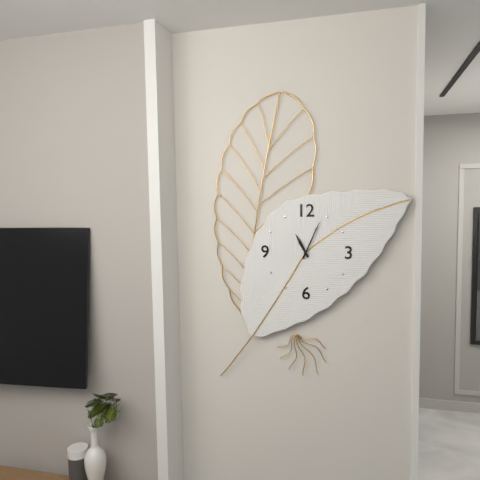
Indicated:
11,04
